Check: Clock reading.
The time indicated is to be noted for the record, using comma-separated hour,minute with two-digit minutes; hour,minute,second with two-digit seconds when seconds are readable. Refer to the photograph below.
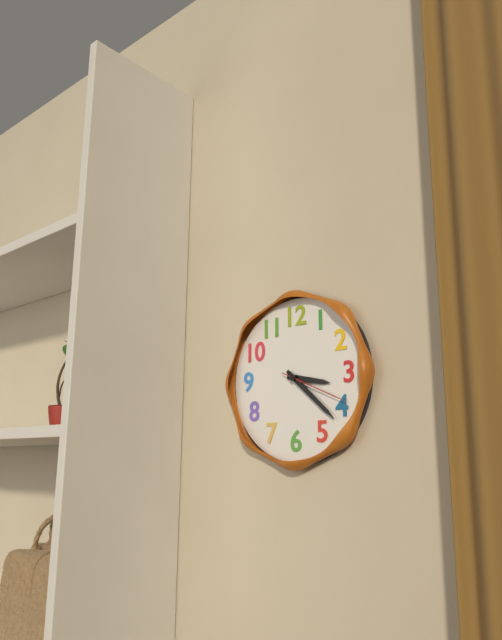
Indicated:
3,22,19
